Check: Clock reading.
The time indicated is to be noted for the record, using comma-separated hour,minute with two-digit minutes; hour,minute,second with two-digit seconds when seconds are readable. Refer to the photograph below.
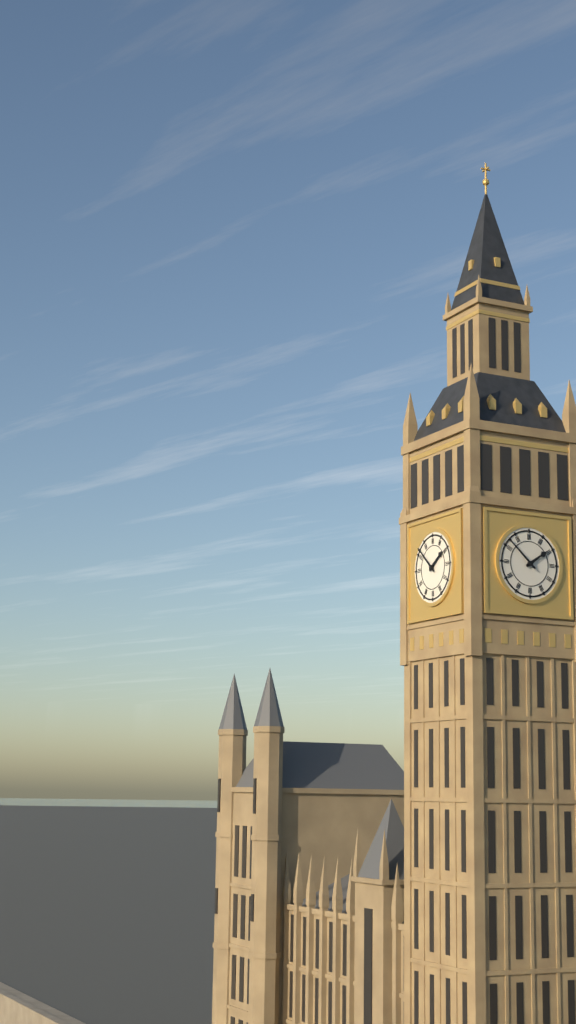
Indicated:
1,52
